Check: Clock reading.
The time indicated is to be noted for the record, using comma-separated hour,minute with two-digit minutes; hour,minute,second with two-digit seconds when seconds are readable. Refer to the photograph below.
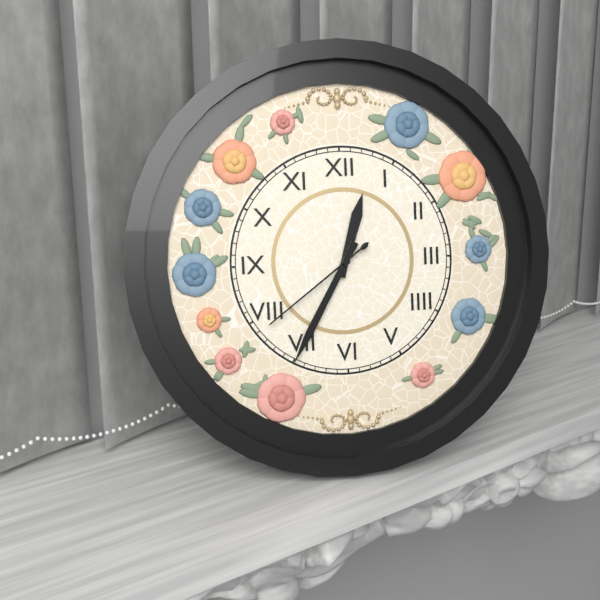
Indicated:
12,35,39
